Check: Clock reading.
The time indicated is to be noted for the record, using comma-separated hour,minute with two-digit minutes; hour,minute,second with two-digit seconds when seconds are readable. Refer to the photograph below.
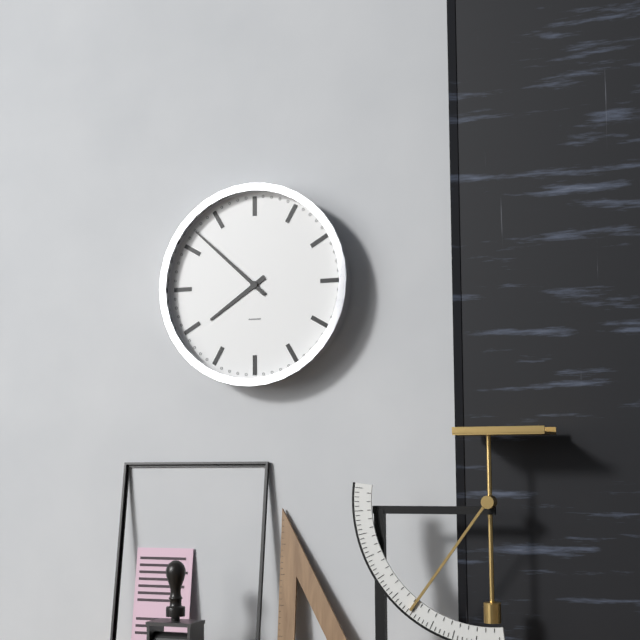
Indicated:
7,52
